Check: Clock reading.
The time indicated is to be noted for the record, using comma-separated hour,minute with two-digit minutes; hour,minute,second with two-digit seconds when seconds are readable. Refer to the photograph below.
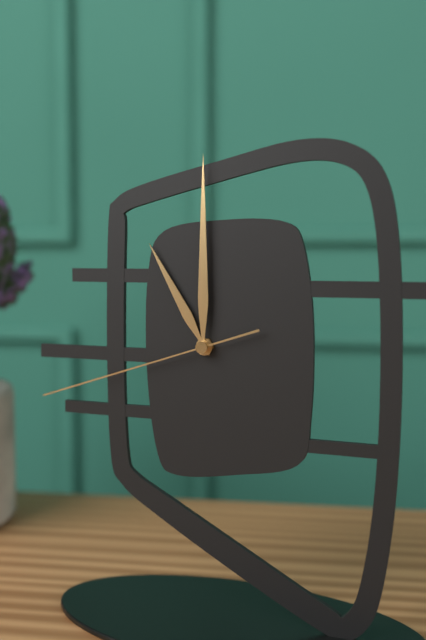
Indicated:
11,00,42
